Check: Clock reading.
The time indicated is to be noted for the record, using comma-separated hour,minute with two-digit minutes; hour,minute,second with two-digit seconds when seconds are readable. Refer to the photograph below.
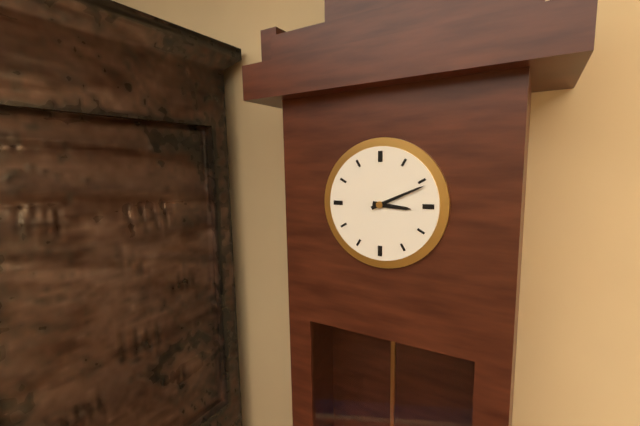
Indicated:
3,11
